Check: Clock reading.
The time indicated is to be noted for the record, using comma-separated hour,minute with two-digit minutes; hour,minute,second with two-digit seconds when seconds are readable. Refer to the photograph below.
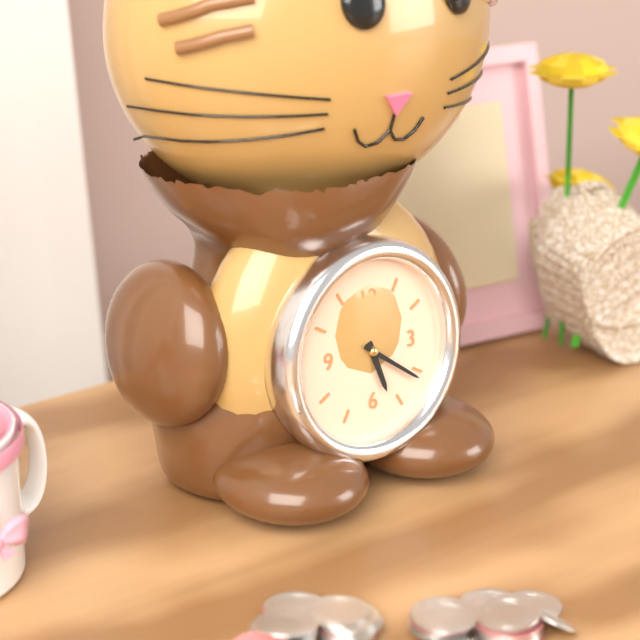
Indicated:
5,21
